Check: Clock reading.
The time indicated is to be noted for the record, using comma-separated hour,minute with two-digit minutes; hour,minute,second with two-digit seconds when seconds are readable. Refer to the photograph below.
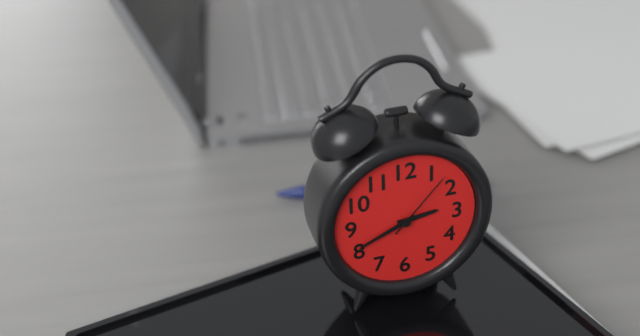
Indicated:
2,41,07
